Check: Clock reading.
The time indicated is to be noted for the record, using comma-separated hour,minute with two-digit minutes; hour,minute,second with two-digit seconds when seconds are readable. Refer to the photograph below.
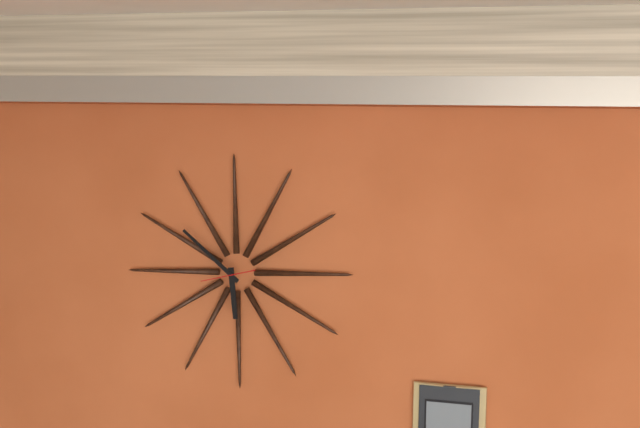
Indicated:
5,52
